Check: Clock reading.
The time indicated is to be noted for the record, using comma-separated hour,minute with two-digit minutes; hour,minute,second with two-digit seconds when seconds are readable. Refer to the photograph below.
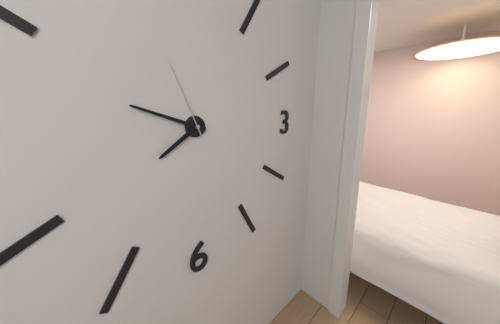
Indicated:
7,48,56
